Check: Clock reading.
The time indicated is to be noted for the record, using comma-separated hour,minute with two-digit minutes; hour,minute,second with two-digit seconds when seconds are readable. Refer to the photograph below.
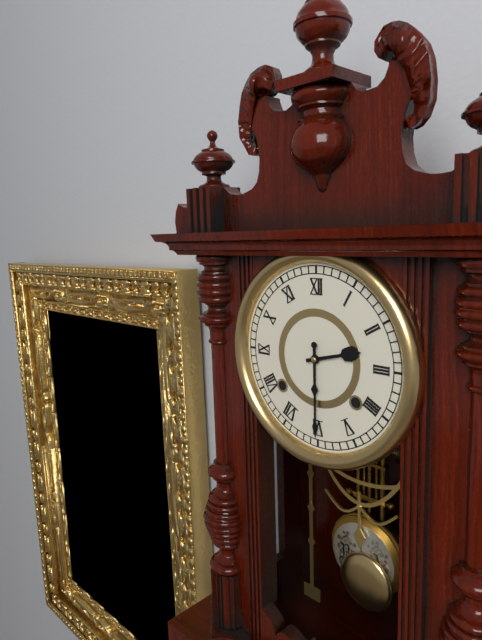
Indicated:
2,30
